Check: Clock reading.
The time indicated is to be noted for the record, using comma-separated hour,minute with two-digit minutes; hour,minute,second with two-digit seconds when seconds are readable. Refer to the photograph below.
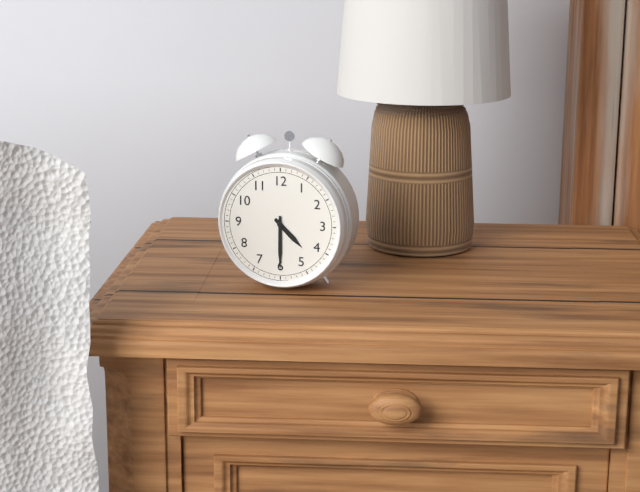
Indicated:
4,30
